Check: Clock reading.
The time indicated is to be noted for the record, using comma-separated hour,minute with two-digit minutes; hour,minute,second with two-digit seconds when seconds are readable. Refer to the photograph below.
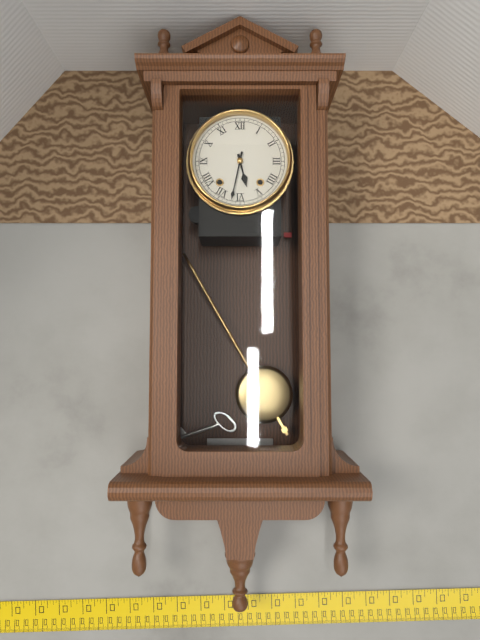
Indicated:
5,32
